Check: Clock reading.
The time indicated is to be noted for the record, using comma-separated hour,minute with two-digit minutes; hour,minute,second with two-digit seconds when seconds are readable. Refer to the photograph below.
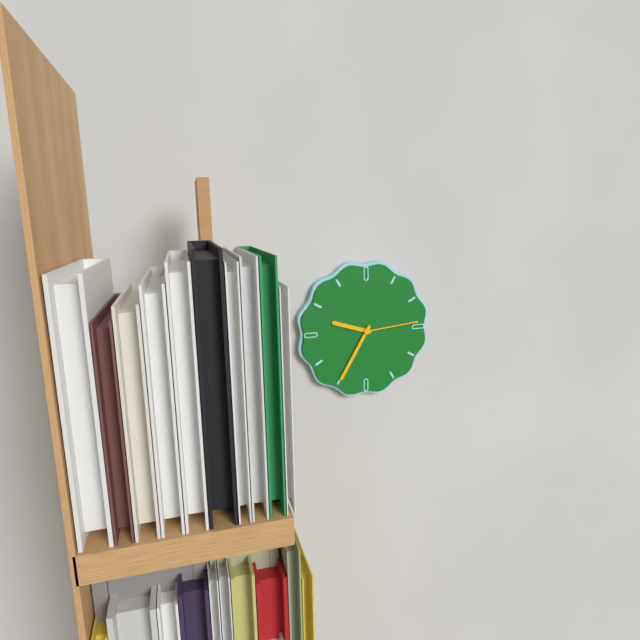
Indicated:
9,35,14
